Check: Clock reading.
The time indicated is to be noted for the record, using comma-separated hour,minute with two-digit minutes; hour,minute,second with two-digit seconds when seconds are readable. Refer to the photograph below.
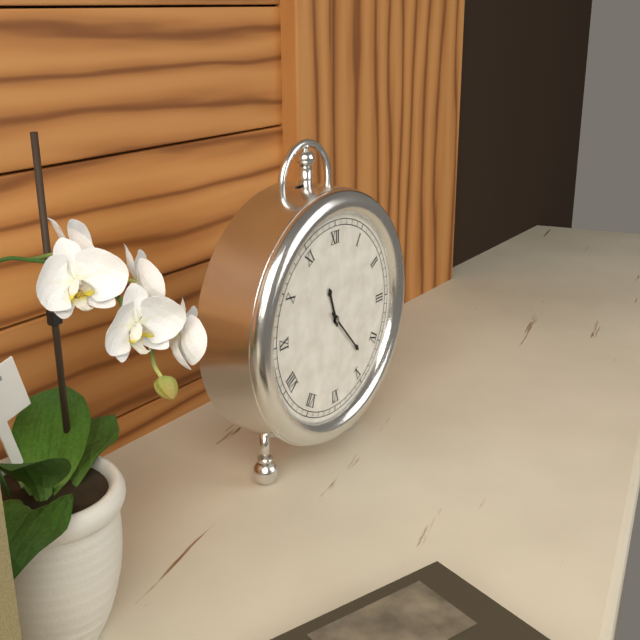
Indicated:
11,23
